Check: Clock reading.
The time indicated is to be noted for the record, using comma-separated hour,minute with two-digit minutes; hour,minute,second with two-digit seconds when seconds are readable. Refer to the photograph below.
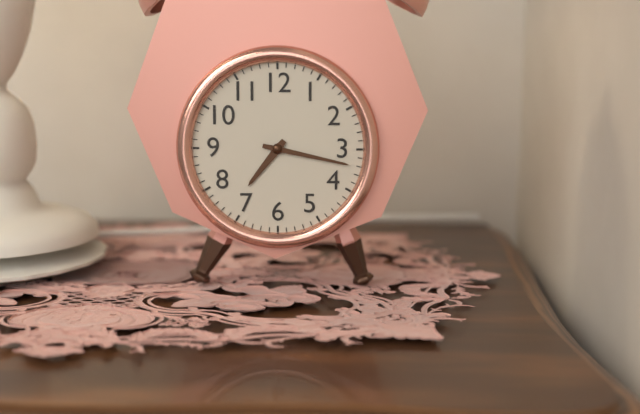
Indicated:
7,17
